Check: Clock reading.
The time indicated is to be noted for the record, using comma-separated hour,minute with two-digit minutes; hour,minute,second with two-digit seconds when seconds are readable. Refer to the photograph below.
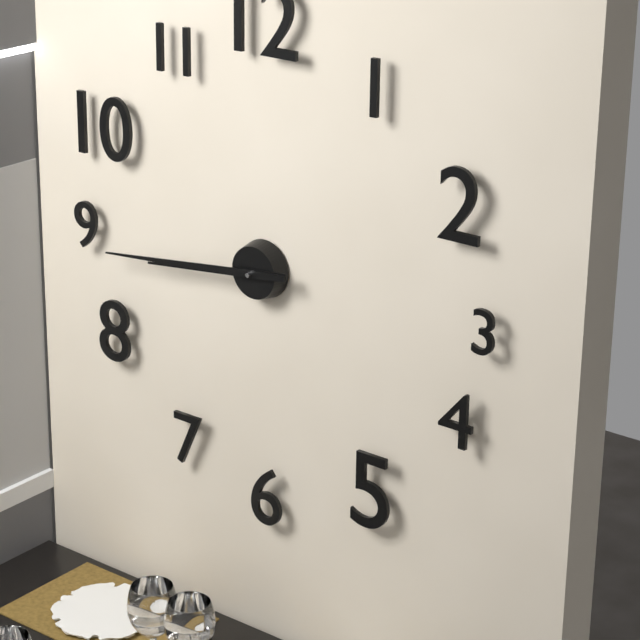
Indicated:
8,44
